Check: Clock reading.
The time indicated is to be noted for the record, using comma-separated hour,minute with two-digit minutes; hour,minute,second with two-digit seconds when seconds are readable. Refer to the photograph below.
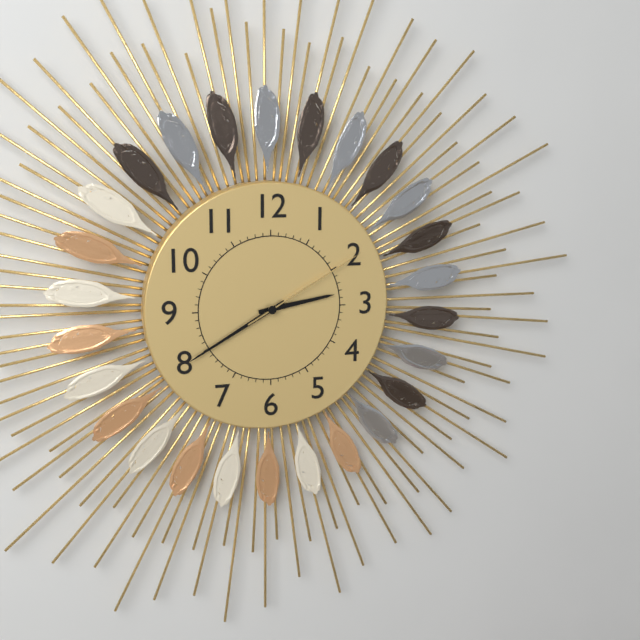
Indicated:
2,40,10
